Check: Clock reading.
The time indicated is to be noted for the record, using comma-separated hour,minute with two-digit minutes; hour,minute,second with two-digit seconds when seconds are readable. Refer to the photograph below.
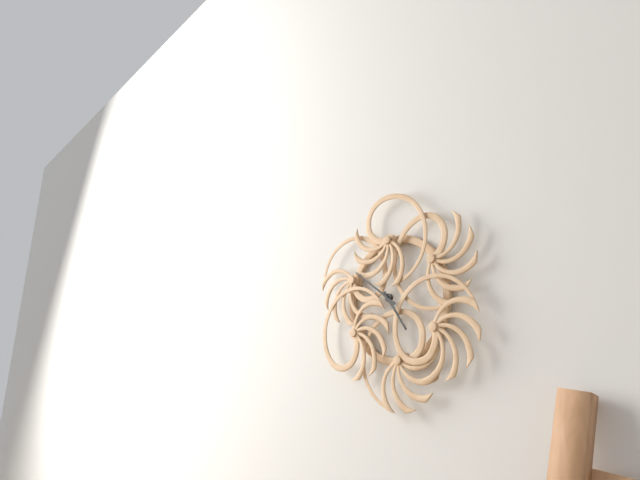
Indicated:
4,51
